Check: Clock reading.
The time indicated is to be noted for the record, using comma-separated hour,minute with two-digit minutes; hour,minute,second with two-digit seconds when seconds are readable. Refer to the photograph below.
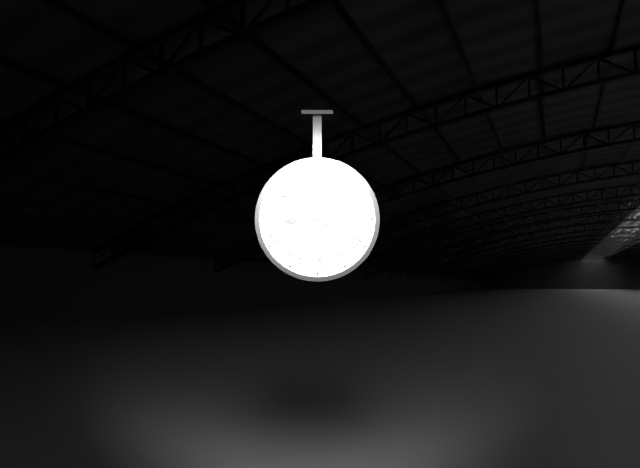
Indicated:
8,51
